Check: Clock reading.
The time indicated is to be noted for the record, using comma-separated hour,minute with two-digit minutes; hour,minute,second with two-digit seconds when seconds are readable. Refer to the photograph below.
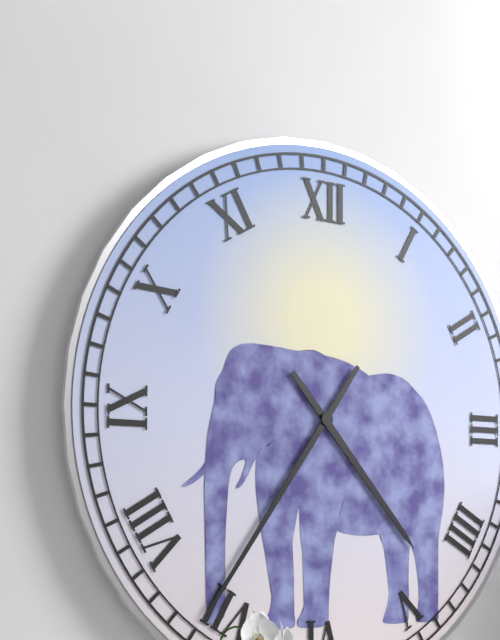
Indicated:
4,36
